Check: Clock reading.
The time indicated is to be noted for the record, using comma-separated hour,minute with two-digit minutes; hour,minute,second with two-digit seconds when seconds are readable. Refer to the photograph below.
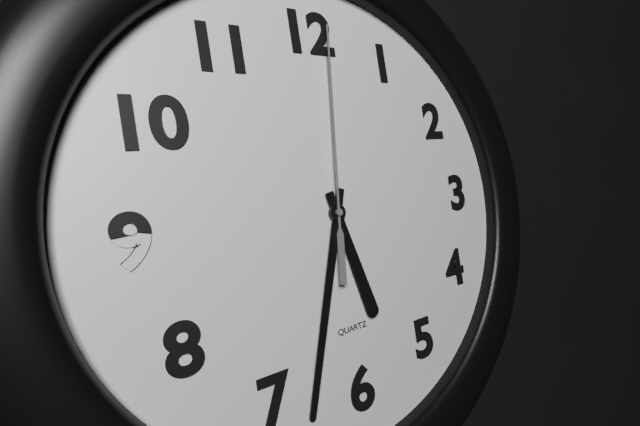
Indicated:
5,33,01
